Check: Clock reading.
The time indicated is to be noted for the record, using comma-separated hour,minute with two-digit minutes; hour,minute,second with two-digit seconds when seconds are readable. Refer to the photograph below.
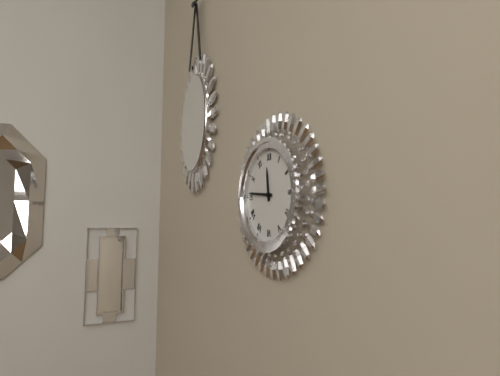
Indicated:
11,46
